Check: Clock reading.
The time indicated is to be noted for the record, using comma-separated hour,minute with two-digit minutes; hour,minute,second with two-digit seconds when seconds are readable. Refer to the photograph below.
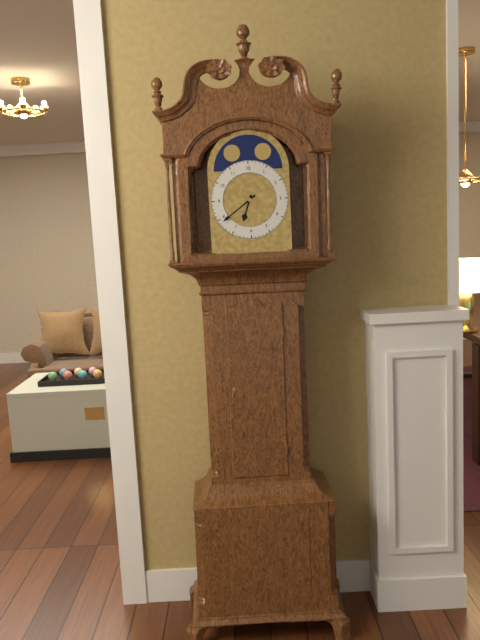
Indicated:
6,39
